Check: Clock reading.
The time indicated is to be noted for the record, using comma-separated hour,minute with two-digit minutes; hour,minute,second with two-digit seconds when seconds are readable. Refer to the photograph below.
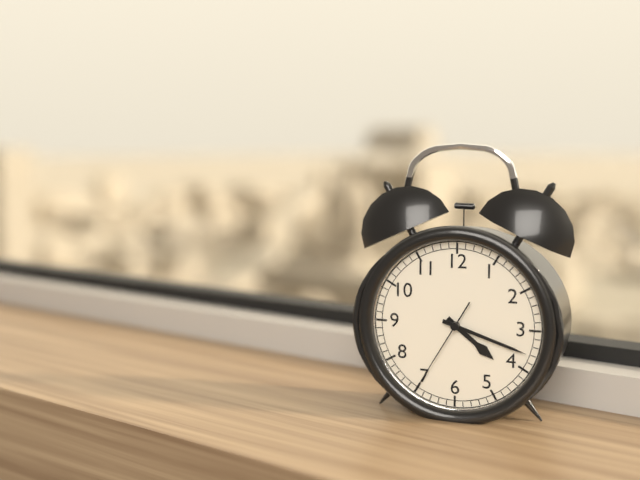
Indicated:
4,18,35
